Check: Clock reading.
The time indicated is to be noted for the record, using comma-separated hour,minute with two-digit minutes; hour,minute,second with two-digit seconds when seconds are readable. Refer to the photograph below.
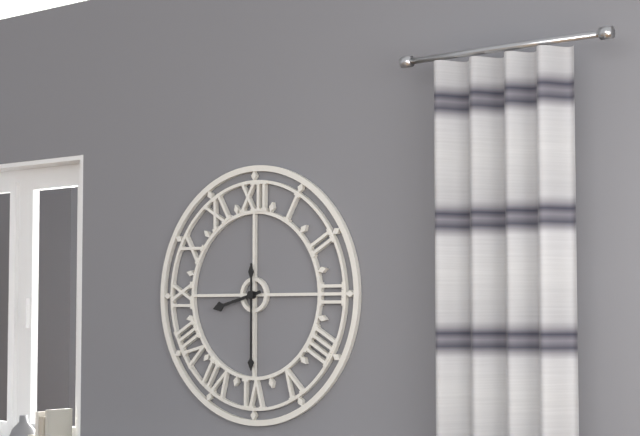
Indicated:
8,30
